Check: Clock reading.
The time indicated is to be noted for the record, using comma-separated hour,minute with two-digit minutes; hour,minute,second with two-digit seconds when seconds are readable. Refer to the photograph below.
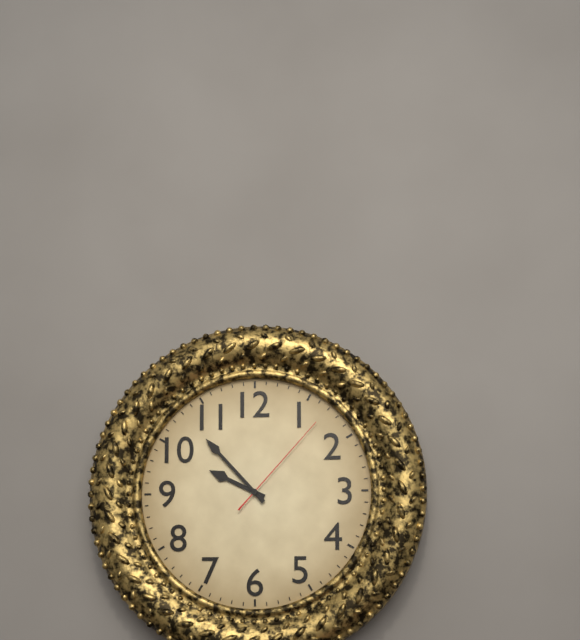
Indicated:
9,53,07
